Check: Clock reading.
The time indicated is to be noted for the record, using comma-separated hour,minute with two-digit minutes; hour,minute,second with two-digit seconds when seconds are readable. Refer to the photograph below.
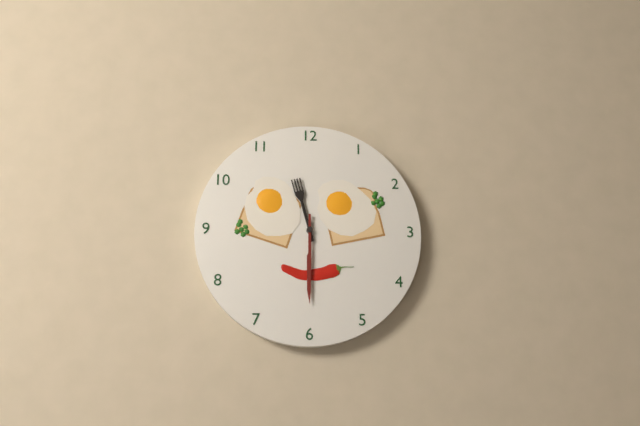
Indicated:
11,30
